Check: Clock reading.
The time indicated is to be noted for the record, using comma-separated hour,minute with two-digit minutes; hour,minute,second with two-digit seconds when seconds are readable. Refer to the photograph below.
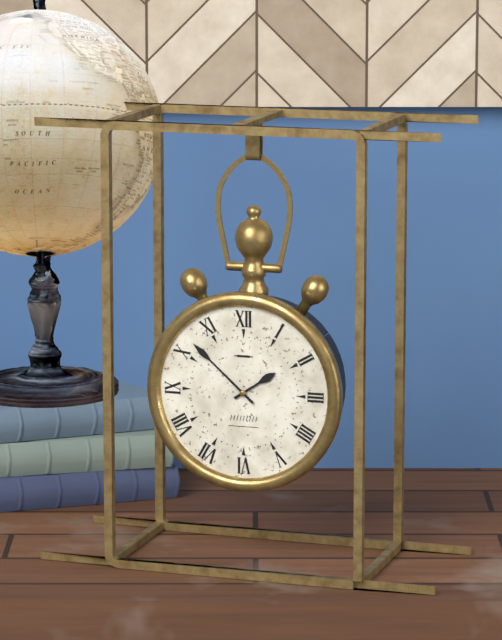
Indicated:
1,52
